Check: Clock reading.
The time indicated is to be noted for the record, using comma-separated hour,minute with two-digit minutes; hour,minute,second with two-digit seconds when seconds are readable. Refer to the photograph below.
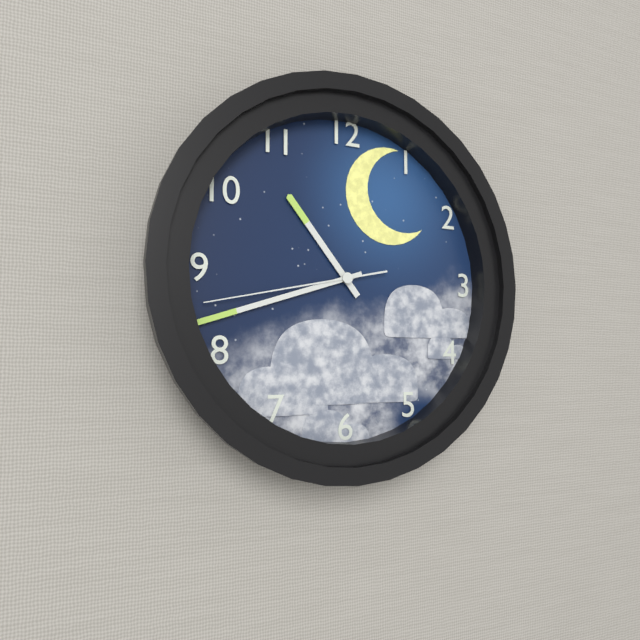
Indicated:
10,42,43
